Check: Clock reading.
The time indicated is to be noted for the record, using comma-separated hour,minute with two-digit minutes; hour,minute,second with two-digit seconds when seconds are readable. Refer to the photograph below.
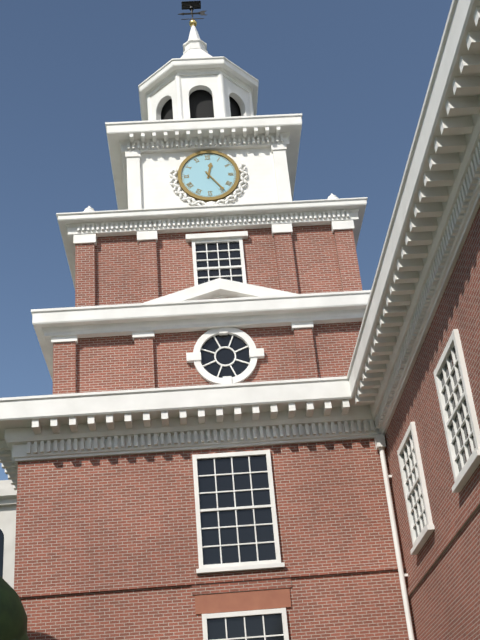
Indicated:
12,24
